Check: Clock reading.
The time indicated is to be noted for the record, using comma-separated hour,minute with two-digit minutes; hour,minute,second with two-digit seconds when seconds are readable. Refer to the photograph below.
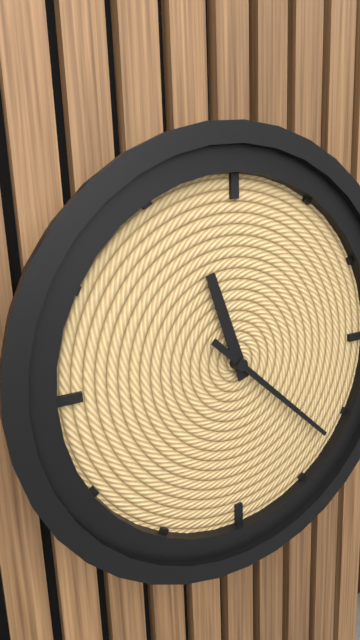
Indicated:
11,22
